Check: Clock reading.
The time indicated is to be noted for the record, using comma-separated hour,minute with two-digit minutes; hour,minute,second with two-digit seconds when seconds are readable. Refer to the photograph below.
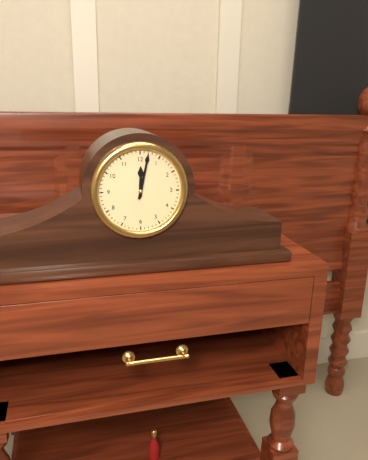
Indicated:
12,02
